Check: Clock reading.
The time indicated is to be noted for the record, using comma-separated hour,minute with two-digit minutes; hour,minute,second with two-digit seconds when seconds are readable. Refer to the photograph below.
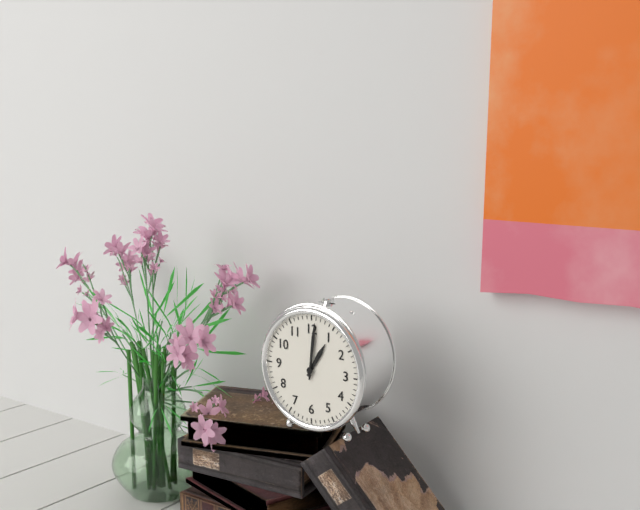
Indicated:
1,01
